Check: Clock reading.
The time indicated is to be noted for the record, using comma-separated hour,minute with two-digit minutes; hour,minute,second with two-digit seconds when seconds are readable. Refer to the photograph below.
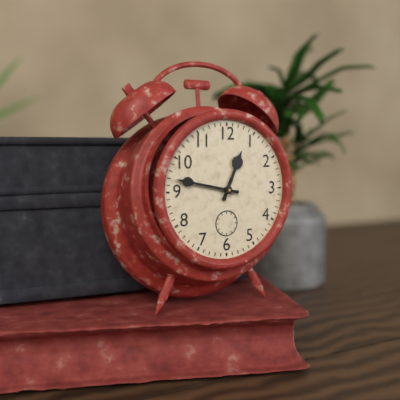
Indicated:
12,47
